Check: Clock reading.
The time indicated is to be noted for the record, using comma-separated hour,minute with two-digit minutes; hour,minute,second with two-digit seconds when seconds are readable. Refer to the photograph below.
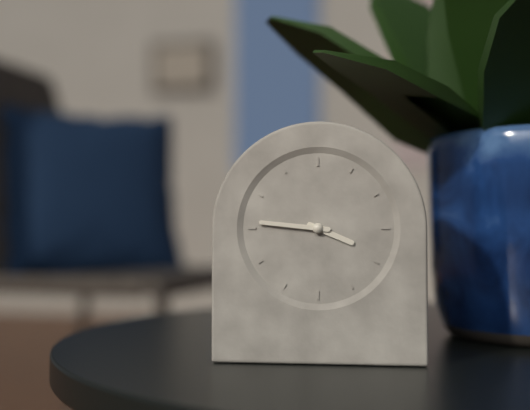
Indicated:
3,46
